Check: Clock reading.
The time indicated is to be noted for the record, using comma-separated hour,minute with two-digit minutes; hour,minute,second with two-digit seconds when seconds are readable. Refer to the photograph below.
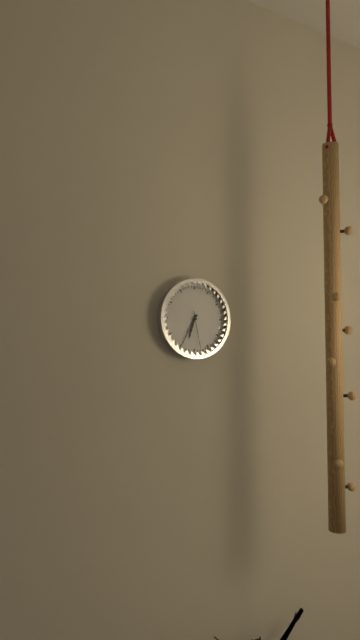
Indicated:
6,35
